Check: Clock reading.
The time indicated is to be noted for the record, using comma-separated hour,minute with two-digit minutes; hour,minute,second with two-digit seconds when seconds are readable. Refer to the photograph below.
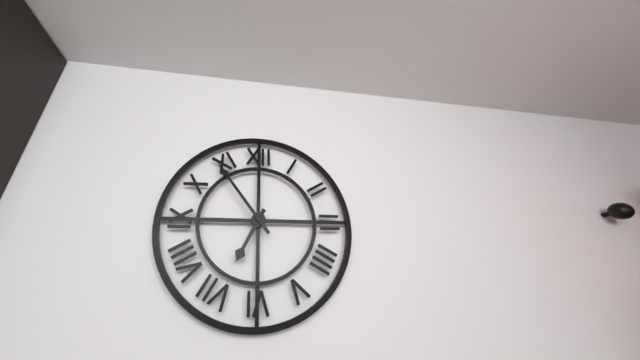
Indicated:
6,54
